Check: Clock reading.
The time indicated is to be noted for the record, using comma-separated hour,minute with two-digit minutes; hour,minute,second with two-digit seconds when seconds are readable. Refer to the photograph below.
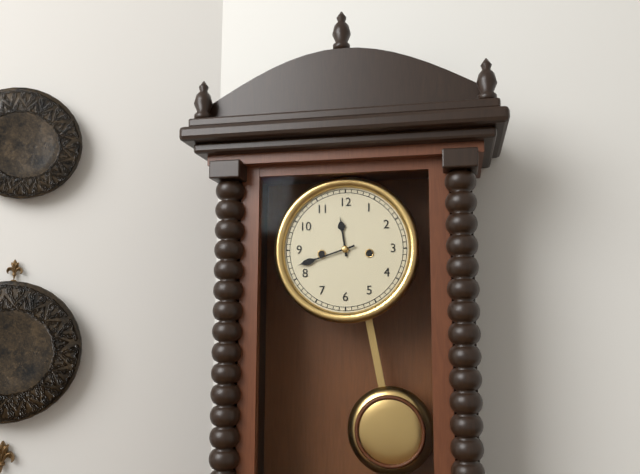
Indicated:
11,42
